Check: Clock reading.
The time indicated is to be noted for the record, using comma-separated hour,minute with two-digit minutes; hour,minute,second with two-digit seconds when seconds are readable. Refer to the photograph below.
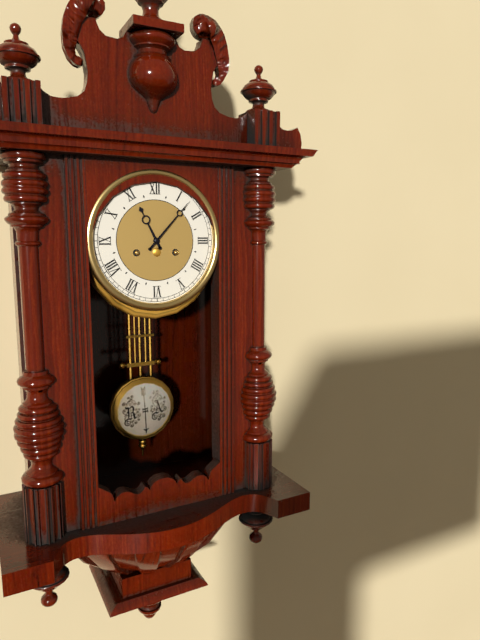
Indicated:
11,07
